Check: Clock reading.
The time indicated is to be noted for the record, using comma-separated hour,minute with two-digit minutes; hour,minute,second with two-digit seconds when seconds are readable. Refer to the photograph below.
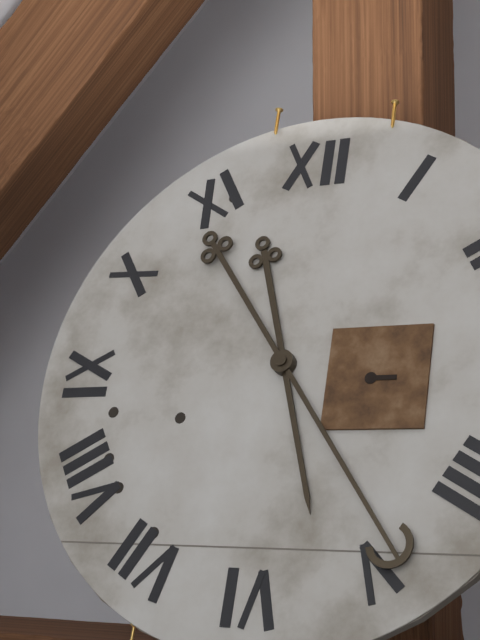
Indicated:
5,24
